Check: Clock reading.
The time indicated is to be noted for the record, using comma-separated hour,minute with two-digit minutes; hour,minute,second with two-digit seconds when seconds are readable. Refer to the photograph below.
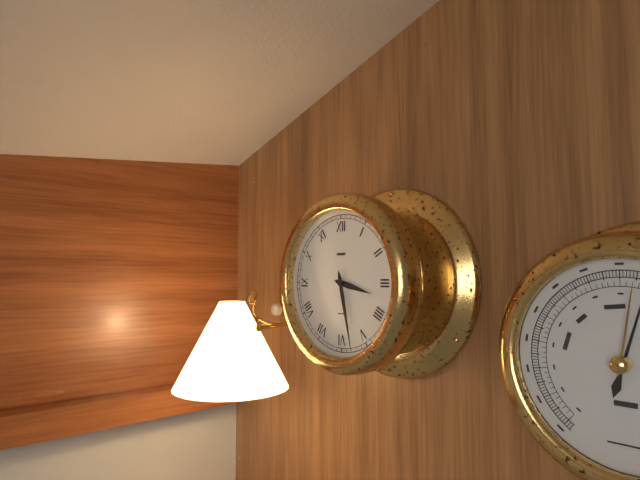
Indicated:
3,28
